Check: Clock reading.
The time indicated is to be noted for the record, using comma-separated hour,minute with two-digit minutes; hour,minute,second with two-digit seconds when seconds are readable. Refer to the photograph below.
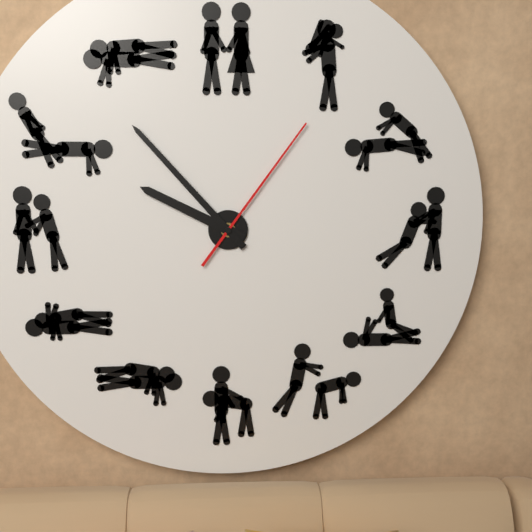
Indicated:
9,53,06
